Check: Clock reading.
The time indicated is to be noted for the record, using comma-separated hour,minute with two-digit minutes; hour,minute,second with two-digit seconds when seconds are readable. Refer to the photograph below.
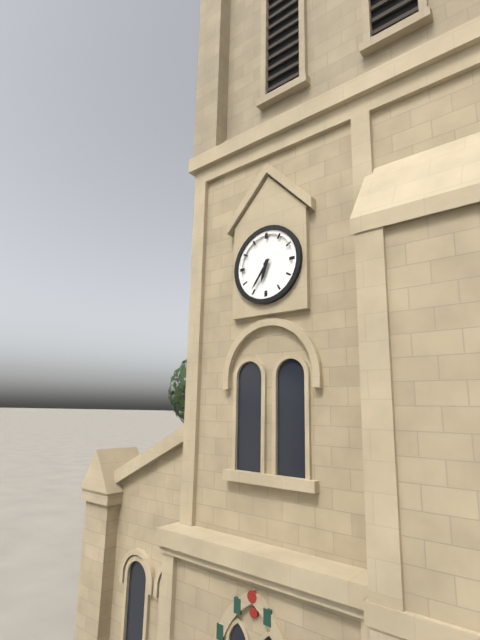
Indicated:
6,36
